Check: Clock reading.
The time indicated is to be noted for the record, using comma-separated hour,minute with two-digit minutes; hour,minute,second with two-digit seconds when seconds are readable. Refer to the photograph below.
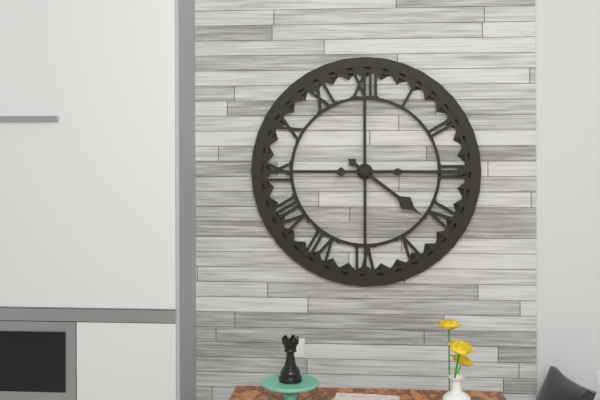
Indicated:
4,15
